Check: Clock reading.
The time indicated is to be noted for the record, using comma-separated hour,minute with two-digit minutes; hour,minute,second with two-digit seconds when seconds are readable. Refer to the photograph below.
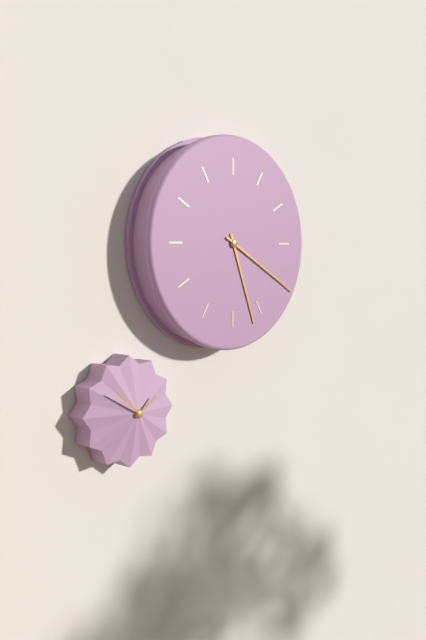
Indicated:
5,20
